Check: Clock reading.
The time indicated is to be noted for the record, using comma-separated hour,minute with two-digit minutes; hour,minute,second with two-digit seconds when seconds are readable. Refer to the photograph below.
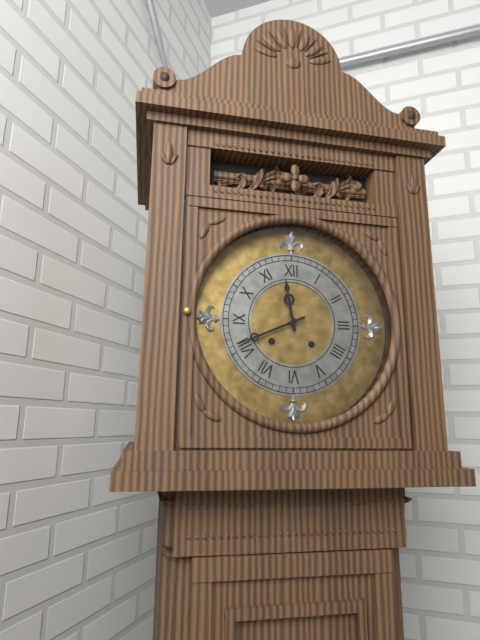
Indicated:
11,41
